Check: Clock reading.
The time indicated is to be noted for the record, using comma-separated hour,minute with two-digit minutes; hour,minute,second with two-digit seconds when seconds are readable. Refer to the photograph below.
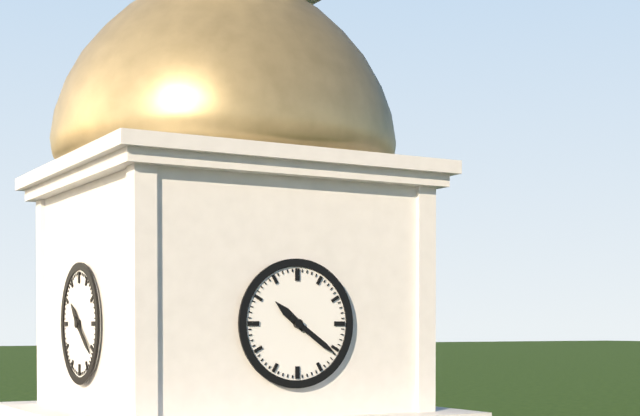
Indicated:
10,21
